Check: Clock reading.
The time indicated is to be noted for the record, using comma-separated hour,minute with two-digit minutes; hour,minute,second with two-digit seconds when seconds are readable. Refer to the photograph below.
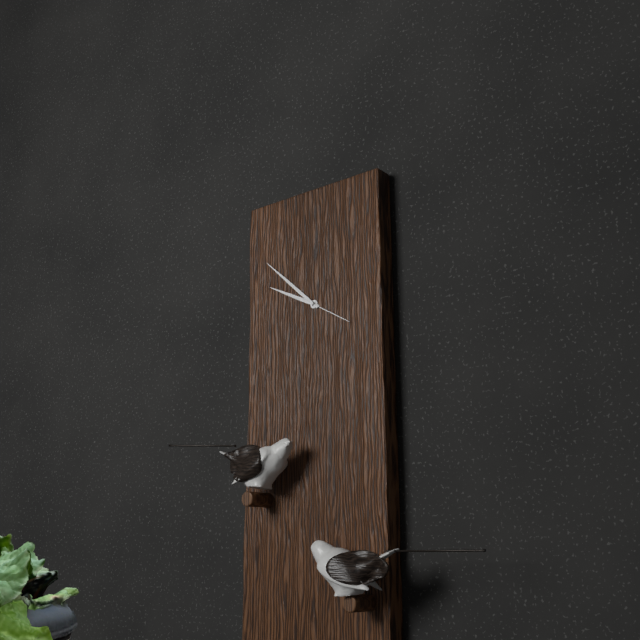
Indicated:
9,52,20
